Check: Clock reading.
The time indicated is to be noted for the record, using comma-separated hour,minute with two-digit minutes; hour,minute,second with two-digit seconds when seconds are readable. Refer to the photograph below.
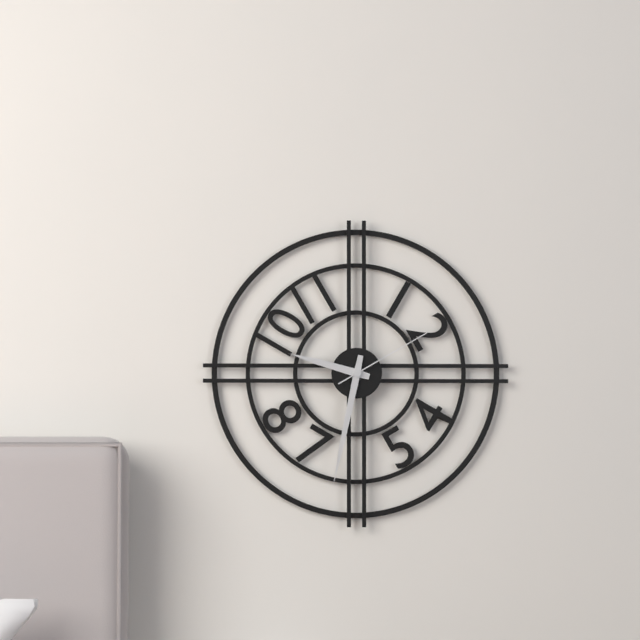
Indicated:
9,32,10
